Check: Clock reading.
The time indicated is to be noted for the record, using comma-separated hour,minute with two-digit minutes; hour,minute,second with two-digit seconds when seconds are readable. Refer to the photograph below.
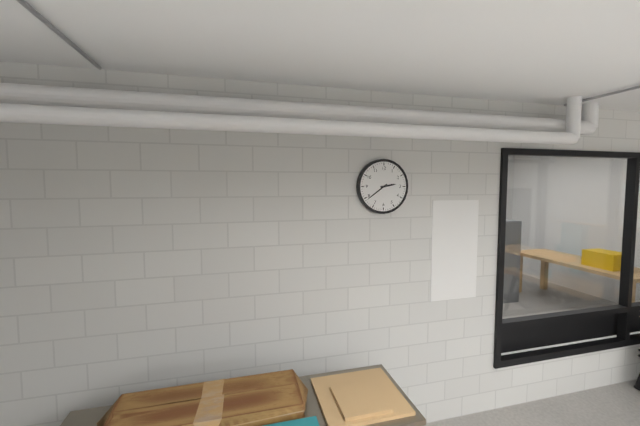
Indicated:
2,39
